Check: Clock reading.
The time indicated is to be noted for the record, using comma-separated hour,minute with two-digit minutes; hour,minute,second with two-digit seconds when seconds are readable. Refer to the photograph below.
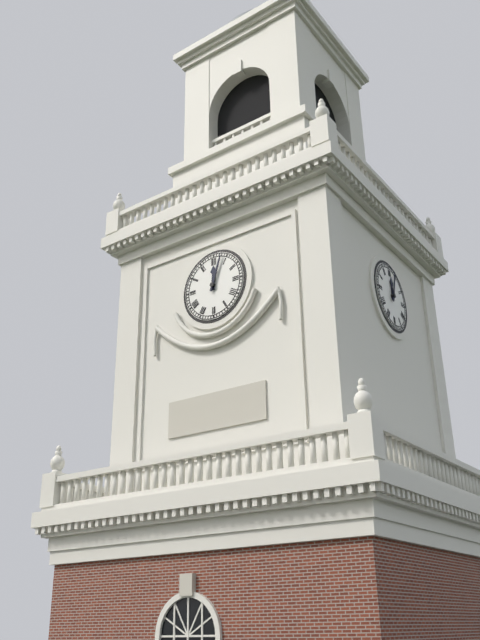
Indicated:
12,03
